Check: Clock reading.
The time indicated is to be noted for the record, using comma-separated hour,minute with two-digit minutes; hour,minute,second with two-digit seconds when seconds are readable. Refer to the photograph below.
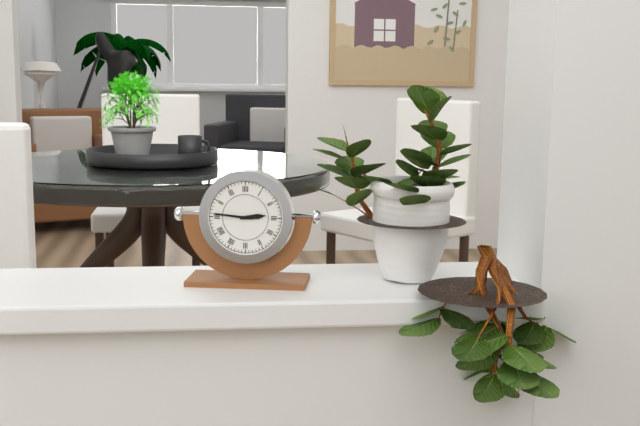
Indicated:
2,46
